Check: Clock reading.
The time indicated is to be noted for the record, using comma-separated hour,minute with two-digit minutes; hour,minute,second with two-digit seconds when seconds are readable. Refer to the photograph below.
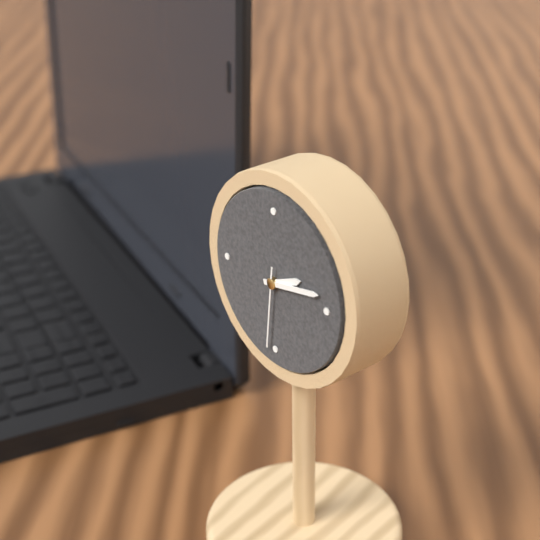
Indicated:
2,13,31
